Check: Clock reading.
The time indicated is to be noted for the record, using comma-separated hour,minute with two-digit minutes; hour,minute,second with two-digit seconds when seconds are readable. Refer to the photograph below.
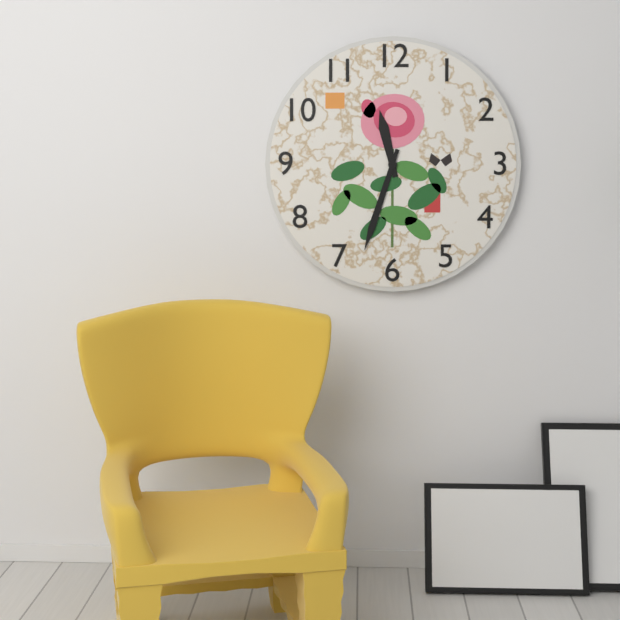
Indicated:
11,33
